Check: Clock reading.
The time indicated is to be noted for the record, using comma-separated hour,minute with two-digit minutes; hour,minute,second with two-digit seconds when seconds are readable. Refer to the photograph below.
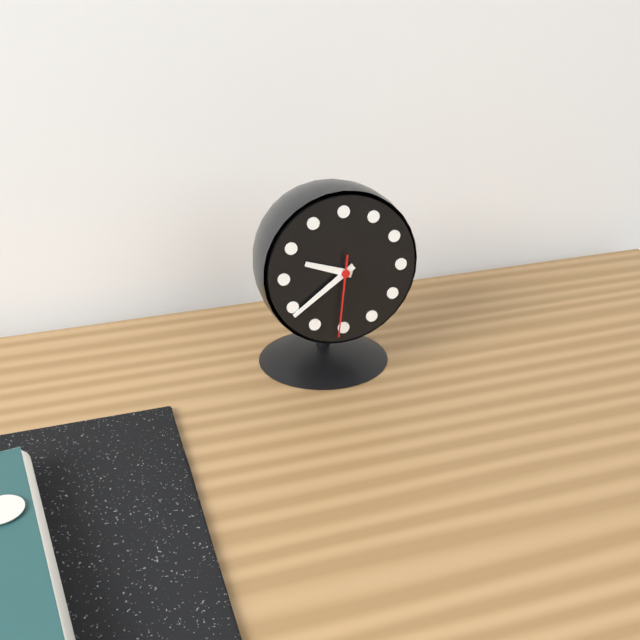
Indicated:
9,39,31
